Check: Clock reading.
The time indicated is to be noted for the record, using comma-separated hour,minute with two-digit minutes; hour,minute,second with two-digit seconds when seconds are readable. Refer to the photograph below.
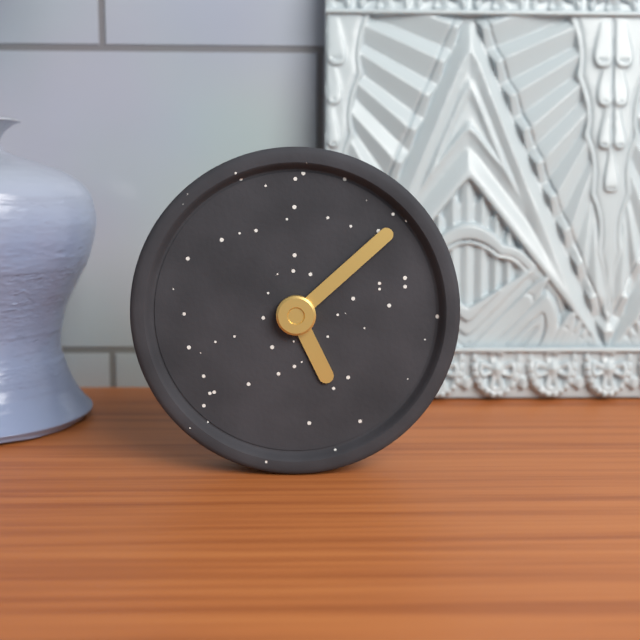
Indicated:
5,08
